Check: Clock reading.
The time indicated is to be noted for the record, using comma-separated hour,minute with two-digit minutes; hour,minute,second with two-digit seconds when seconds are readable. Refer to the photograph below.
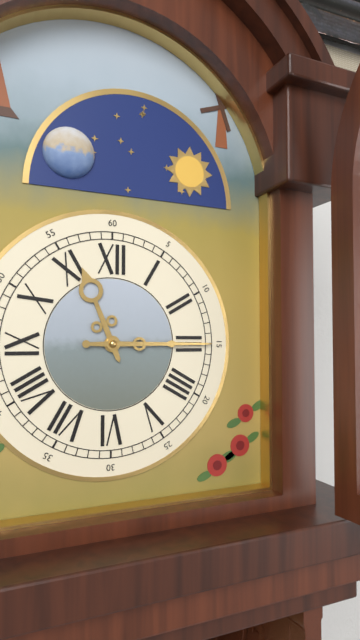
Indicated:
11,15
